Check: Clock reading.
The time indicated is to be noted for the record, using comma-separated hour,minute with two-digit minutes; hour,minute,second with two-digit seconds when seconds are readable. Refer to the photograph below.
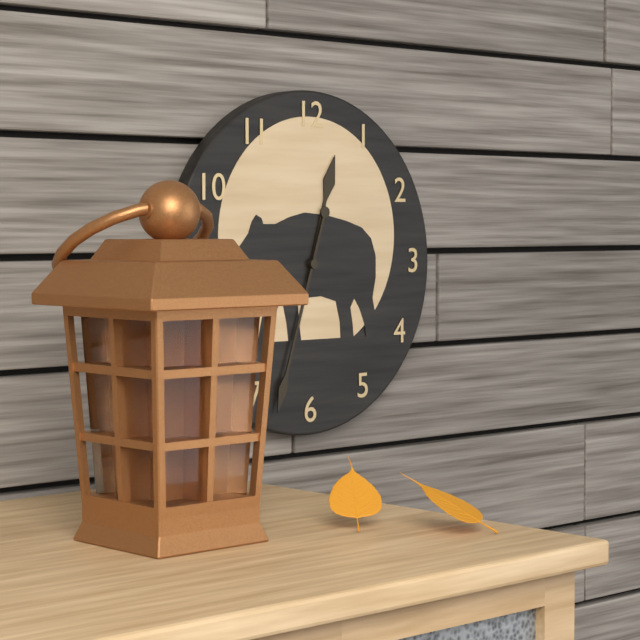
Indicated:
12,33
